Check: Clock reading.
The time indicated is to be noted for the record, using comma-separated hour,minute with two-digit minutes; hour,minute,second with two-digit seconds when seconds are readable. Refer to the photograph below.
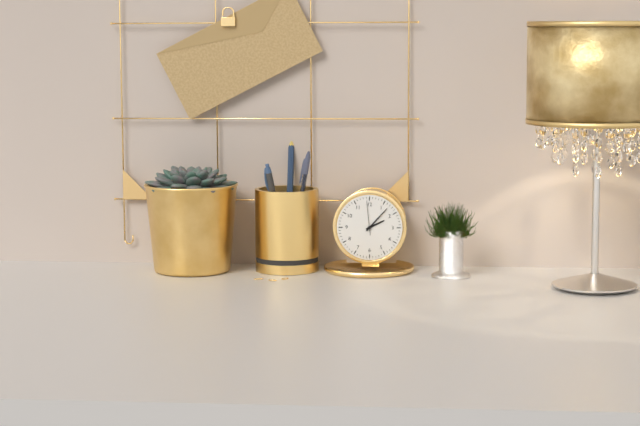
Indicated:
2,07
